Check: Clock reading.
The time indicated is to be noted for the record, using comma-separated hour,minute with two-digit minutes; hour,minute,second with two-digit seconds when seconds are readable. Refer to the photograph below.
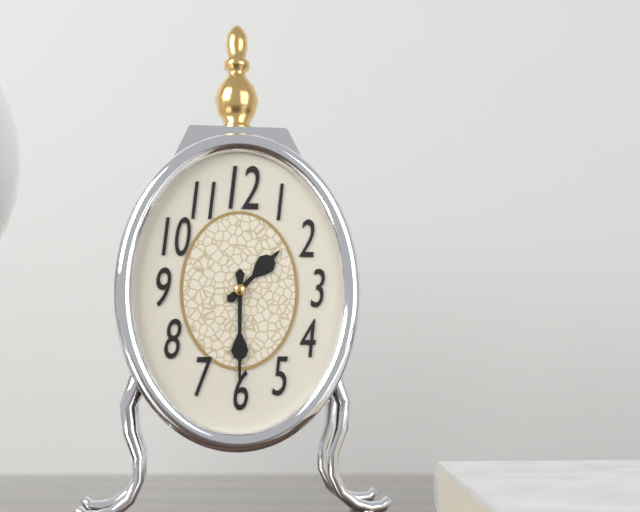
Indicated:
1,30
